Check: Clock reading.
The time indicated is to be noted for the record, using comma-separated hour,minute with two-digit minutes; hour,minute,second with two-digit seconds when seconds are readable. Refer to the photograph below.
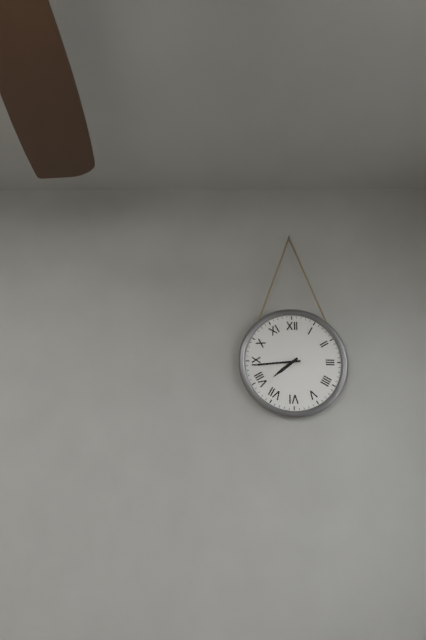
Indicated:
7,44
